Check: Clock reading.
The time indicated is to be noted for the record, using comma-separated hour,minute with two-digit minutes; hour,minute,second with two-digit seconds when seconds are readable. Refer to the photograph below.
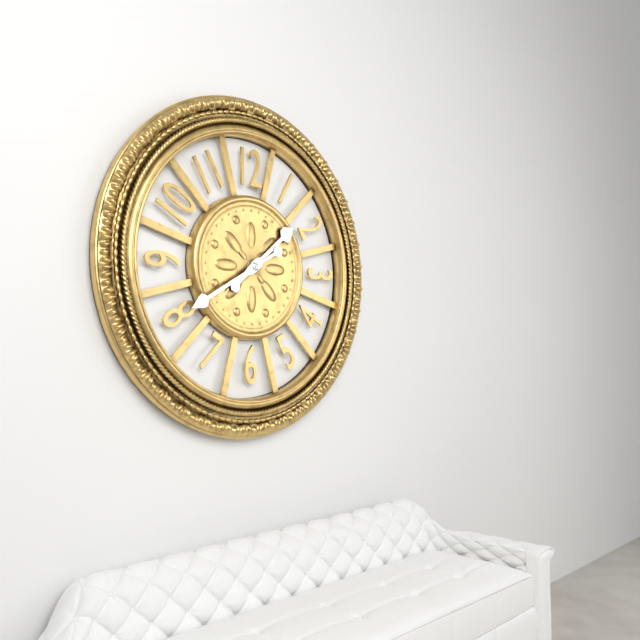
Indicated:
1,40
